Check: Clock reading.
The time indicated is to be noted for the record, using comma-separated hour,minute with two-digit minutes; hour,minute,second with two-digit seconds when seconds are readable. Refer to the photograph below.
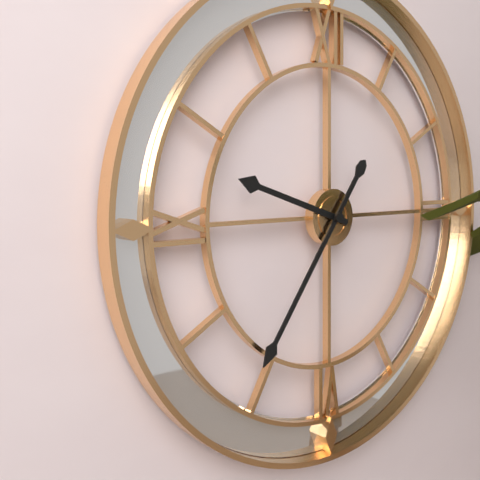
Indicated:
9,36
